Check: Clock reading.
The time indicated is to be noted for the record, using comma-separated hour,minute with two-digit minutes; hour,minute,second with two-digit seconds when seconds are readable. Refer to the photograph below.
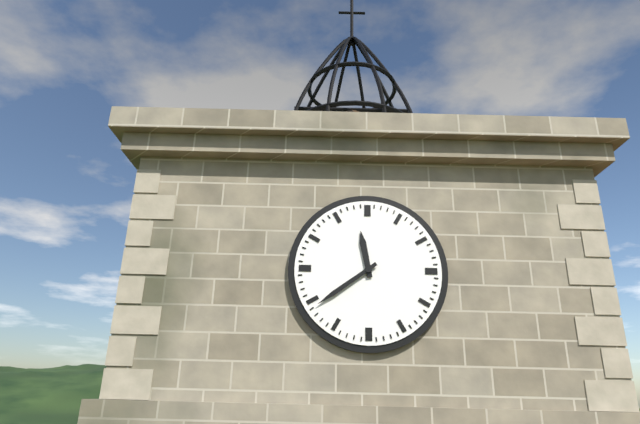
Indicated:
11,39
